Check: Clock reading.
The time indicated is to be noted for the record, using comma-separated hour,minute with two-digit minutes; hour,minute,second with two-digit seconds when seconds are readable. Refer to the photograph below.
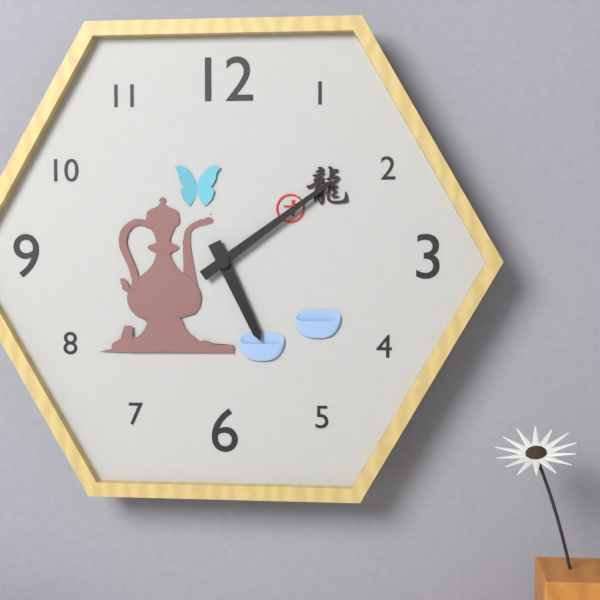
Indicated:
5,09
